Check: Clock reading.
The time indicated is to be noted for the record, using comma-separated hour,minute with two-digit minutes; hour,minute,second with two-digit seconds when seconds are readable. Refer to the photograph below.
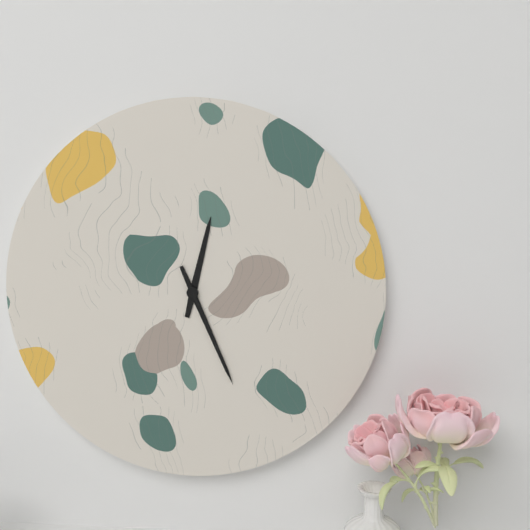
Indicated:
12,26
